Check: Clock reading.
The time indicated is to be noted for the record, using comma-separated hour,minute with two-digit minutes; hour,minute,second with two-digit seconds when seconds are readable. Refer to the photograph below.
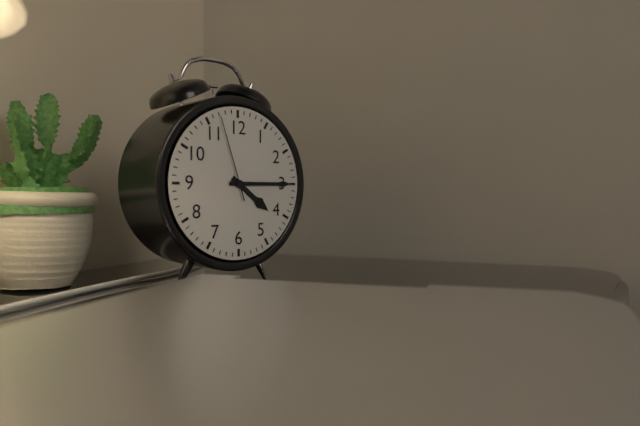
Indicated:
4,15,57
